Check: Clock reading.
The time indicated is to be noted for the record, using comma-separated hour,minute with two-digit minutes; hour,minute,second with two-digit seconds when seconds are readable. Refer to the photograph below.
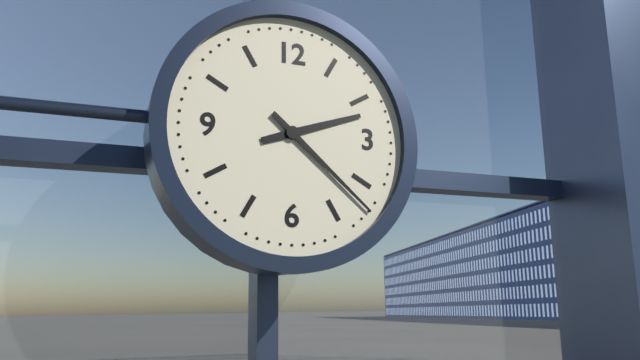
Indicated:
2,22
